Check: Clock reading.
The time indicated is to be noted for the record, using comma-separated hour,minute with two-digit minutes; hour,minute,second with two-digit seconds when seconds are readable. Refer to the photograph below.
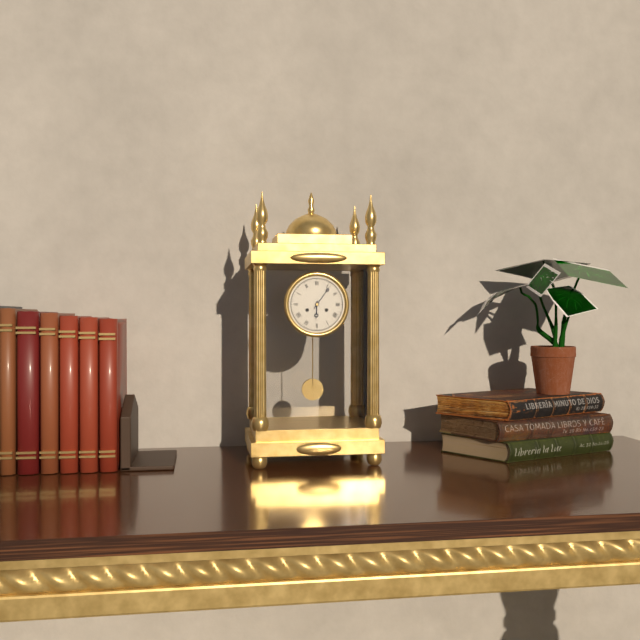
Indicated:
6,06
